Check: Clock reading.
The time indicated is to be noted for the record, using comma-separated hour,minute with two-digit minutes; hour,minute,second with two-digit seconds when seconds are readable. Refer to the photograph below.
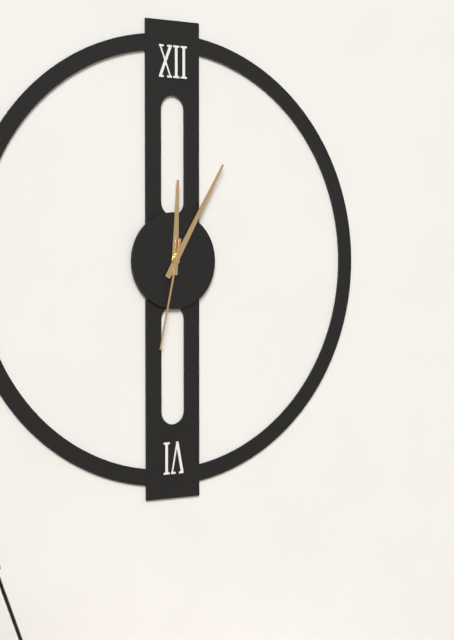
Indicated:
12,05,32
